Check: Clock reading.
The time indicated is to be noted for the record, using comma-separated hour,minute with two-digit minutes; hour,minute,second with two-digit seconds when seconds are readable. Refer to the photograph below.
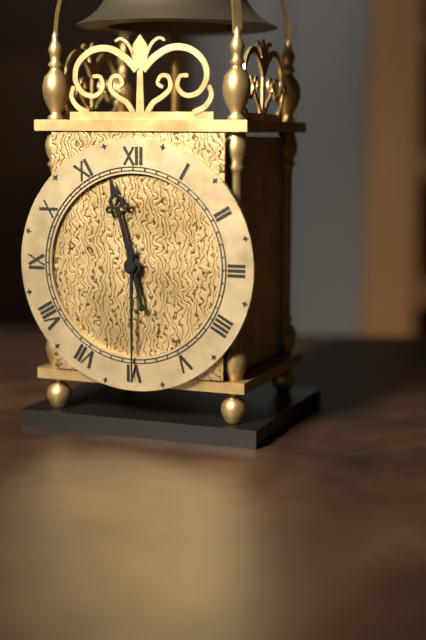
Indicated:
11,30
